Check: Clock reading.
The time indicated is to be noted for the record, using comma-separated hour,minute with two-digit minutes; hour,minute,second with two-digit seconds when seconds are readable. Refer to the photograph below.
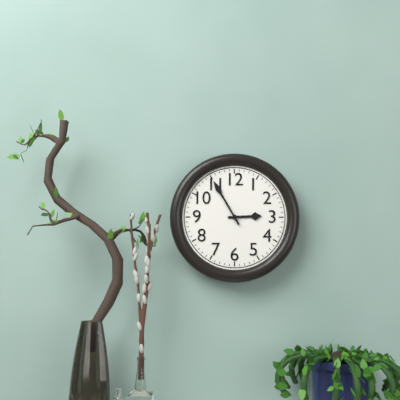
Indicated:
2,55
